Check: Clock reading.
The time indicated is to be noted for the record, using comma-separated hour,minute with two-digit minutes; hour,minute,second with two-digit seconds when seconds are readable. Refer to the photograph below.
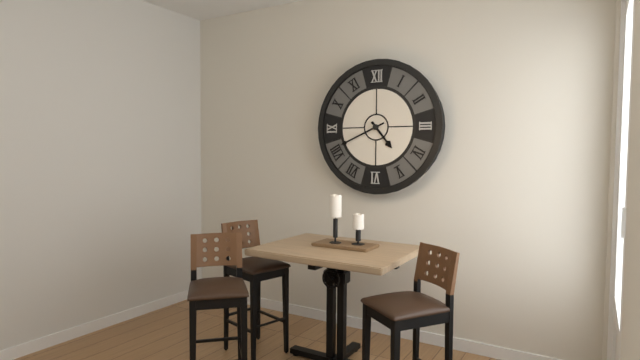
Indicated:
4,41
